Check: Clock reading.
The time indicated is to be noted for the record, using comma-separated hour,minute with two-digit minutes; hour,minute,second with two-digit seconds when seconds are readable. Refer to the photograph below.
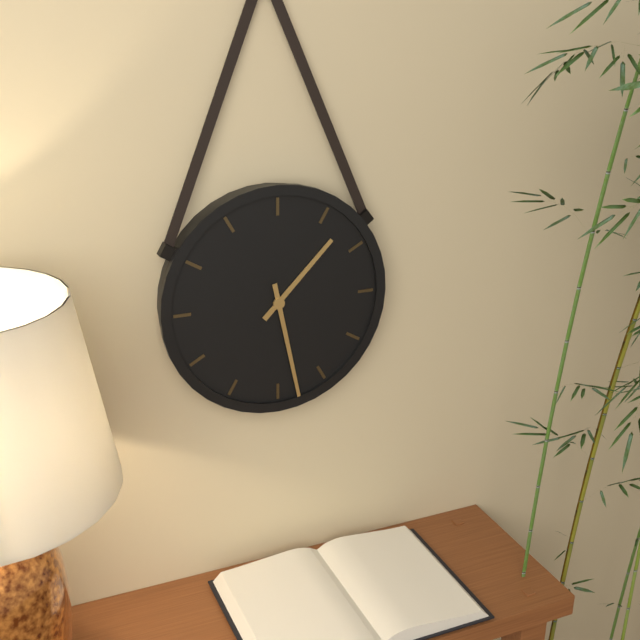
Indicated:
1,28
